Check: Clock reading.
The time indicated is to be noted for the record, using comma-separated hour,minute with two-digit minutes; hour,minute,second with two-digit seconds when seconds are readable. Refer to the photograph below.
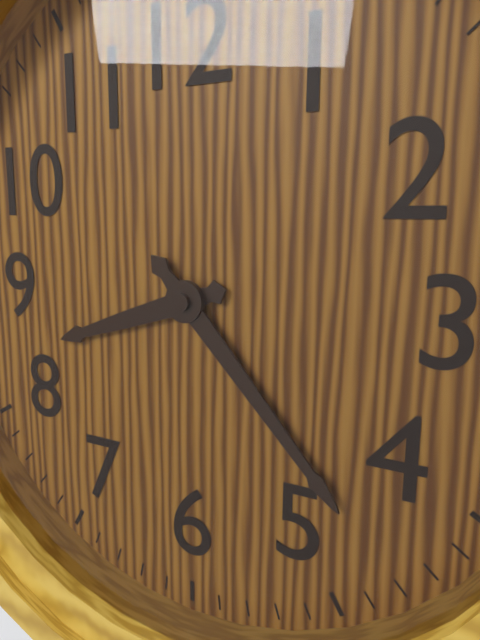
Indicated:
8,23
